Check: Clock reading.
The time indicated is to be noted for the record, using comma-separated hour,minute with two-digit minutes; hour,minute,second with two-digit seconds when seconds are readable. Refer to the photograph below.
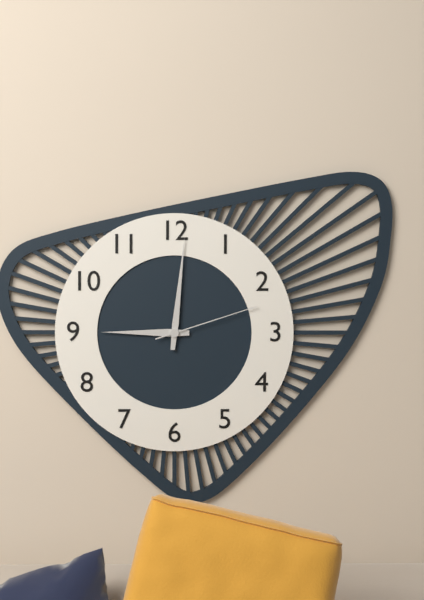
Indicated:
9,01,12
